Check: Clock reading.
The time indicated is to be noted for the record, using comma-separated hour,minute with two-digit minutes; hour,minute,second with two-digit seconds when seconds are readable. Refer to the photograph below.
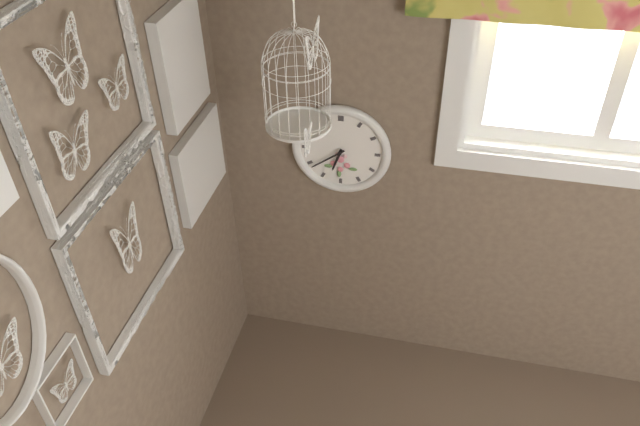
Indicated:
6,39
